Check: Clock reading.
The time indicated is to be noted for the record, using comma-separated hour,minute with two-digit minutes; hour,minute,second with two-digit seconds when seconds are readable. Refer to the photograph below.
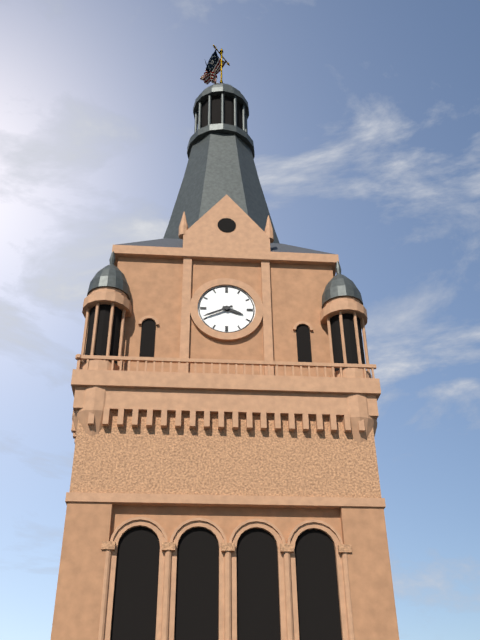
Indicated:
3,41
